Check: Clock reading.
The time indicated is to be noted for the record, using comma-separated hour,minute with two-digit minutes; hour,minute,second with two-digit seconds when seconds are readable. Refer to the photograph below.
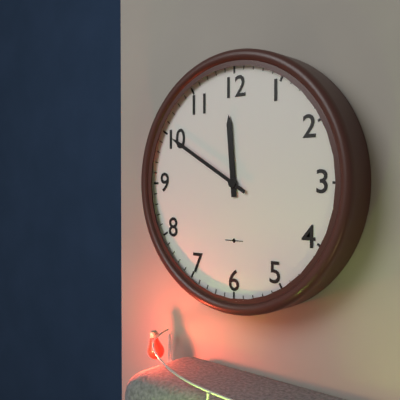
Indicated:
11,50
